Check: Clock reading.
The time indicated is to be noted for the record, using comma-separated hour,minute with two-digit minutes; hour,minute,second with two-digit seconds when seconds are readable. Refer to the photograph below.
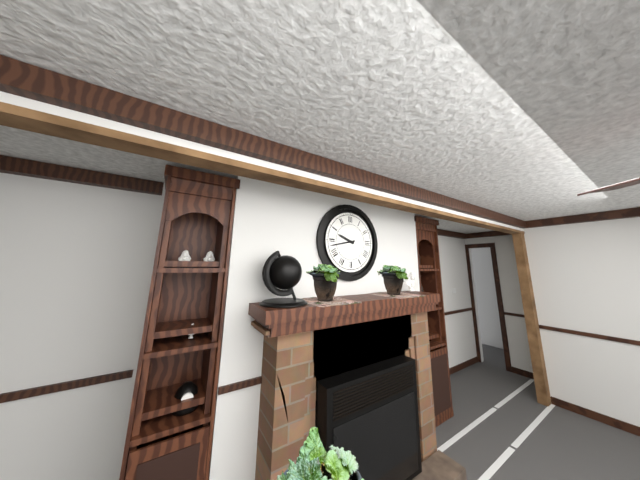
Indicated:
9,43
